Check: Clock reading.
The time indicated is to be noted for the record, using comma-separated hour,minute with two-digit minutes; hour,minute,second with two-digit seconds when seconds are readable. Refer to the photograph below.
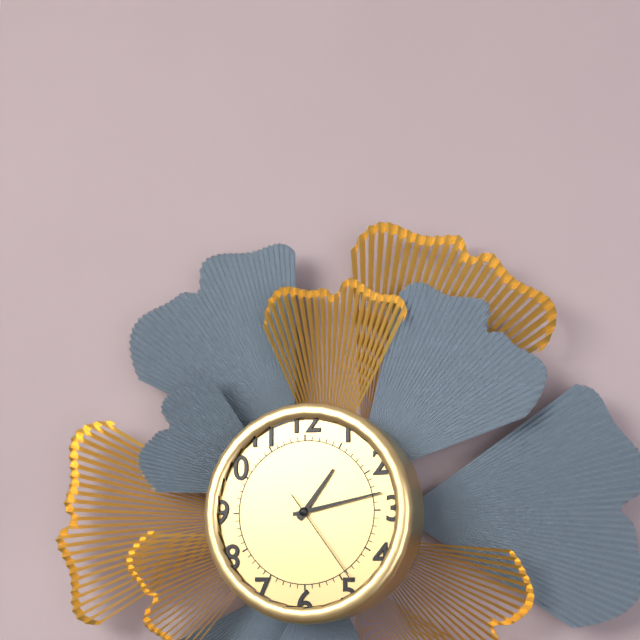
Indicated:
1,13,24
